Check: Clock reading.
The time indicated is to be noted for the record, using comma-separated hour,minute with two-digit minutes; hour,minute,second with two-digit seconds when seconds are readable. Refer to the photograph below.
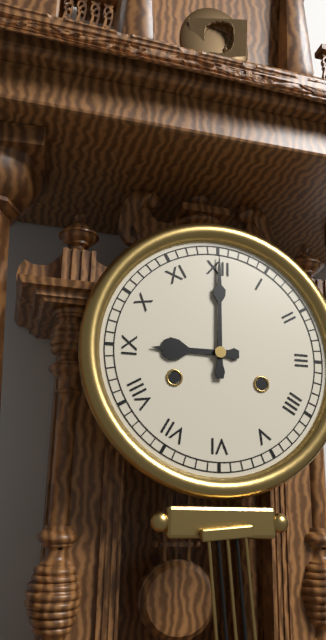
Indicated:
9,00
